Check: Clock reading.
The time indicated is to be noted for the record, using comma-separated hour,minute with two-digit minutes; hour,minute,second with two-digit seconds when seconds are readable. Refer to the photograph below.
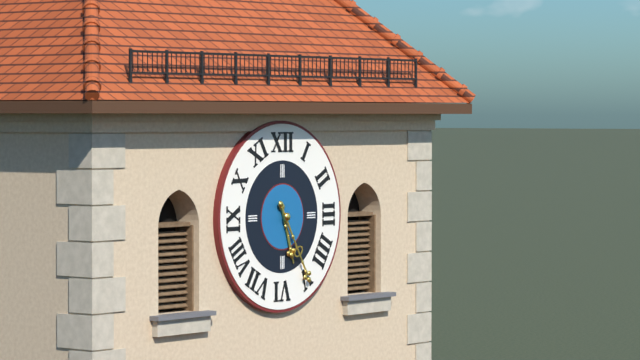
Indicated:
5,25
